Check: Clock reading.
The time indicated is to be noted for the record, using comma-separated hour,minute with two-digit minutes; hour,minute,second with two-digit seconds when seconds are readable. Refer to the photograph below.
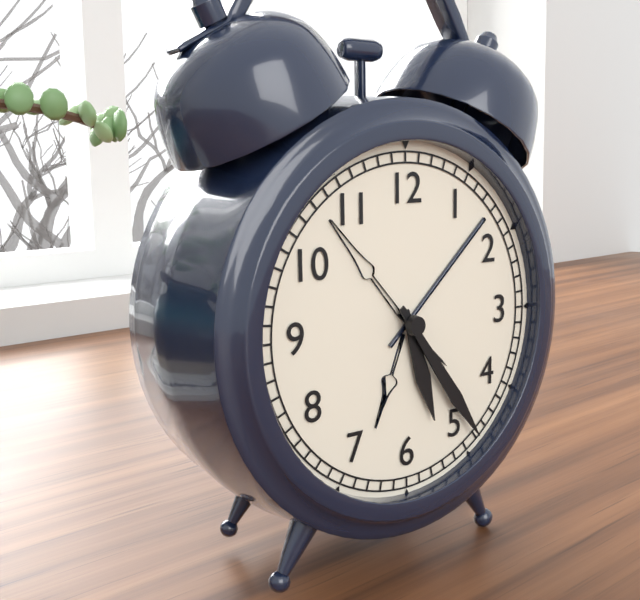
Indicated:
5,24
